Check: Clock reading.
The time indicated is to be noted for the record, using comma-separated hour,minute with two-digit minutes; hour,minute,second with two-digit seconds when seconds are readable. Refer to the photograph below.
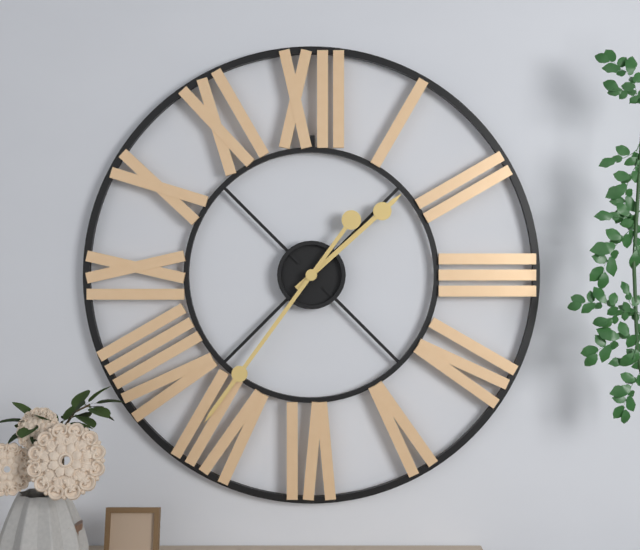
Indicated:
1,36
